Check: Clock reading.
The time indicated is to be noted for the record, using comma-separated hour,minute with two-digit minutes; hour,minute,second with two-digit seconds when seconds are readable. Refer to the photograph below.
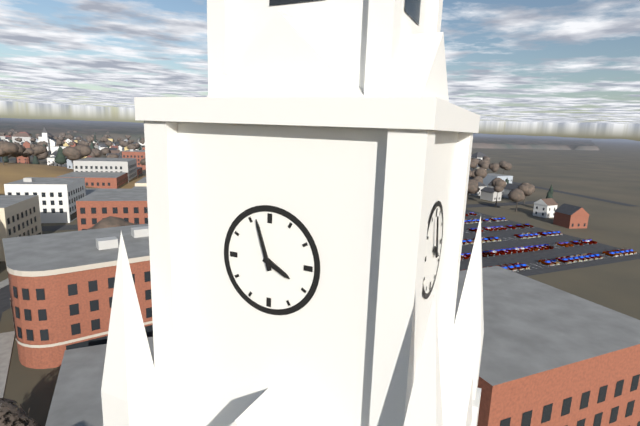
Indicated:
3,57
